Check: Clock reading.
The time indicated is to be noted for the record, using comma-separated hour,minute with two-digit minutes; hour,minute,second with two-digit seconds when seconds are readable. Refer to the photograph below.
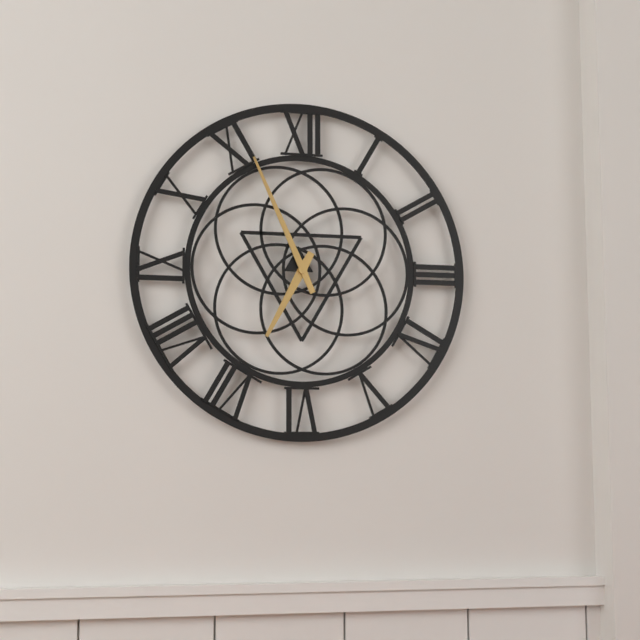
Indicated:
6,56
